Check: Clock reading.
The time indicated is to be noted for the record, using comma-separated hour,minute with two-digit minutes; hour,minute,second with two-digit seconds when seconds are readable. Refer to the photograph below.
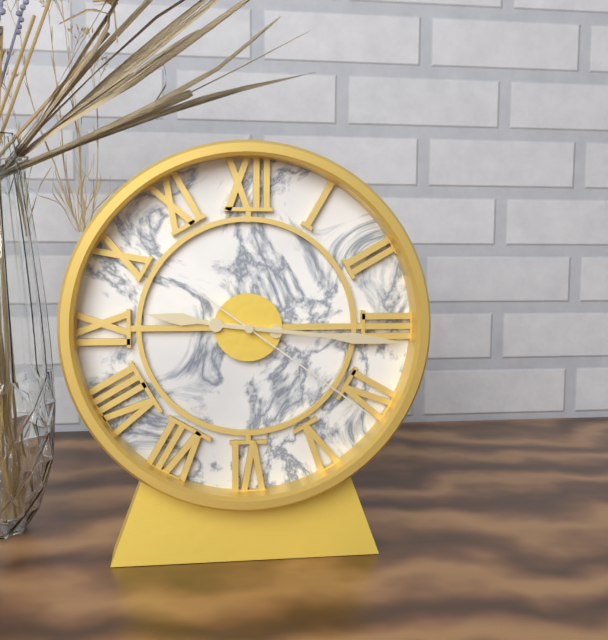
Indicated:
9,16,21
